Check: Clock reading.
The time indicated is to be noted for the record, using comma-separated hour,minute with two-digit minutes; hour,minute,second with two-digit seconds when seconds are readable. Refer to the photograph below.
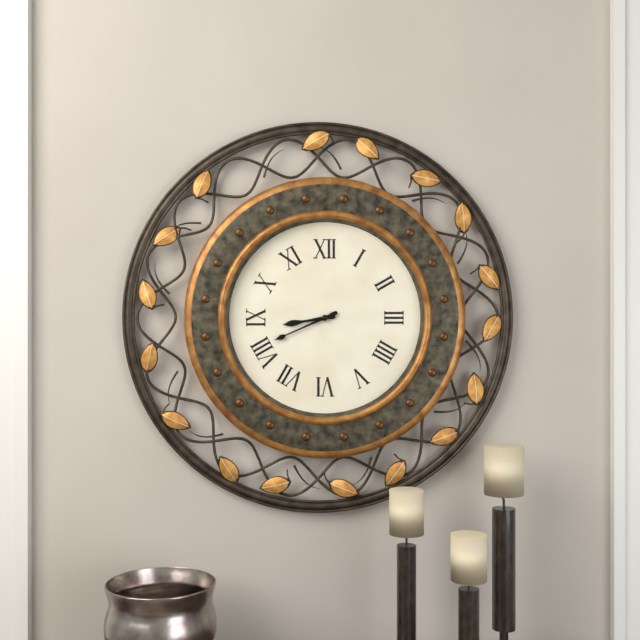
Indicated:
8,41
